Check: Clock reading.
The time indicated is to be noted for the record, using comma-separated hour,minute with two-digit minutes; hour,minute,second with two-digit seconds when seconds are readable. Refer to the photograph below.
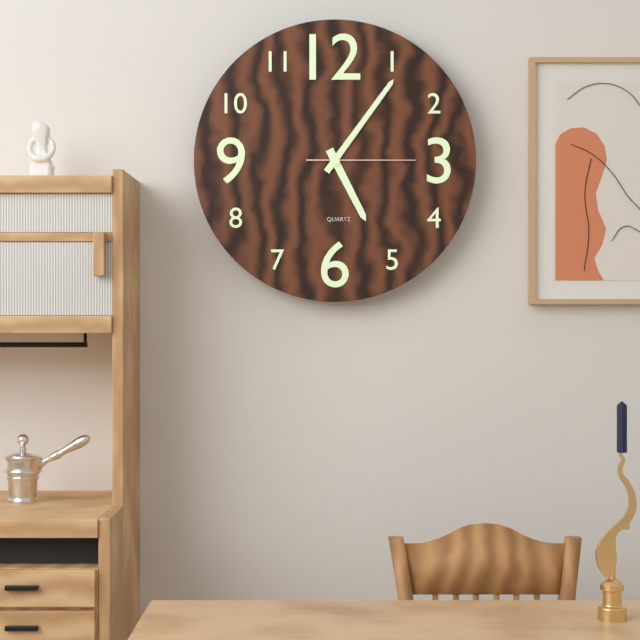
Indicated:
5,06,15
